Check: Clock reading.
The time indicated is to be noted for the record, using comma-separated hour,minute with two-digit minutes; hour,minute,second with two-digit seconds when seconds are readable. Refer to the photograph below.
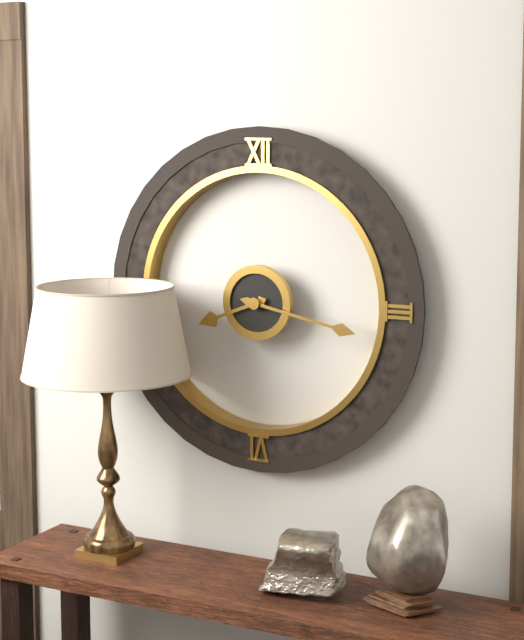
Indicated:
8,17
